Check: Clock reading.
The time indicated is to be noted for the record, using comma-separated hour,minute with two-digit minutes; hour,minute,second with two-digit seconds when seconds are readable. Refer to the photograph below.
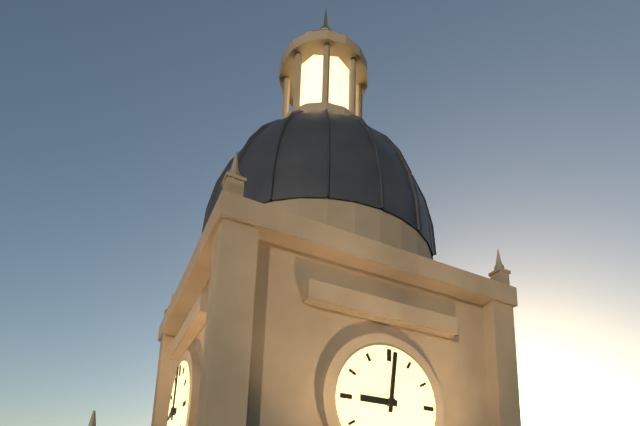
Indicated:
9,01
